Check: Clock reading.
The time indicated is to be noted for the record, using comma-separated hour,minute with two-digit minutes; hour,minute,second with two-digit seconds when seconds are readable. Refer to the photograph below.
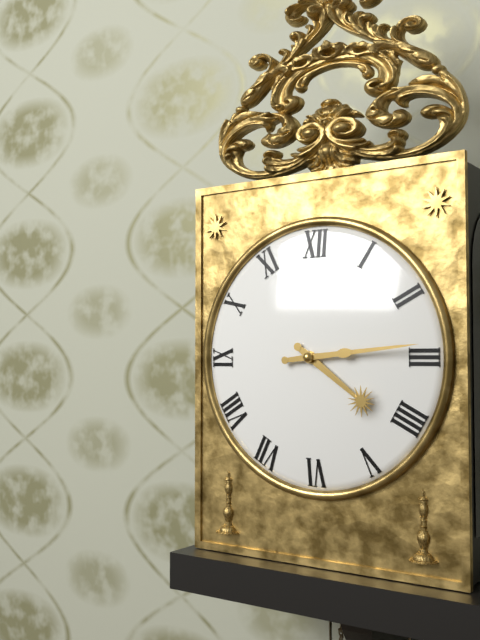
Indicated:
4,14
